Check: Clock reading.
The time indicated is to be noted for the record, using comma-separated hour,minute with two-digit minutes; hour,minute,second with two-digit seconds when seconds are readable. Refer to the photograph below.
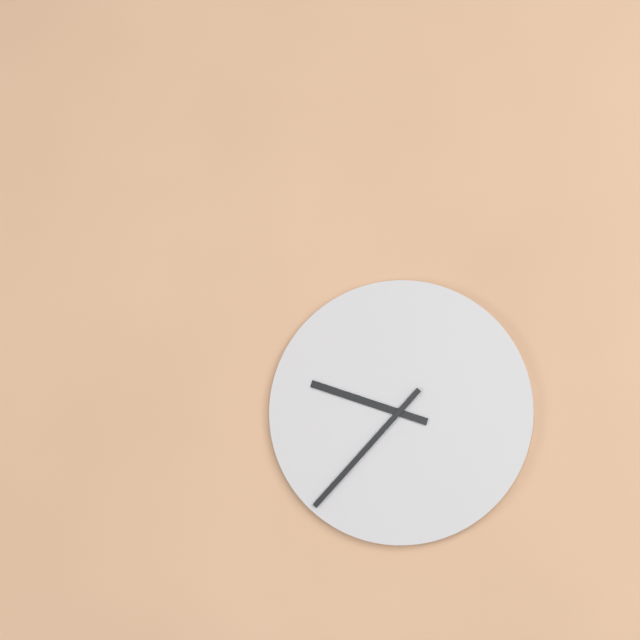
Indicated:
9,37
